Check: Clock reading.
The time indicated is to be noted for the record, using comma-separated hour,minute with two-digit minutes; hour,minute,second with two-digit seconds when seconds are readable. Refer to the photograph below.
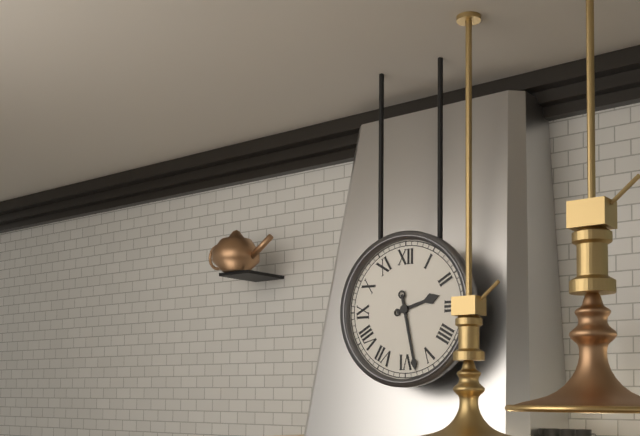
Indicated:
2,28
